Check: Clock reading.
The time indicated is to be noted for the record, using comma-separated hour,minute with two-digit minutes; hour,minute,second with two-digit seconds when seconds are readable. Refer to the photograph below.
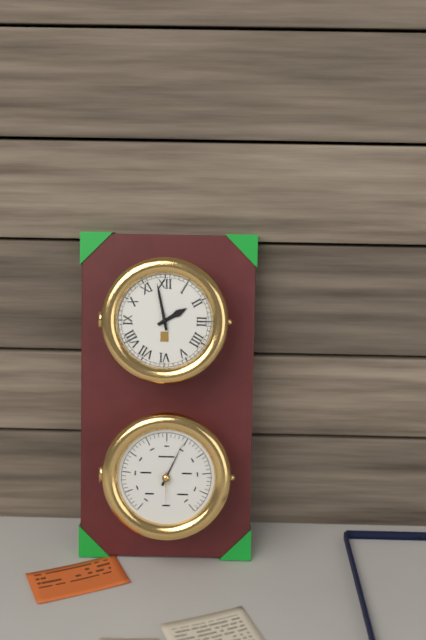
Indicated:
1,58
